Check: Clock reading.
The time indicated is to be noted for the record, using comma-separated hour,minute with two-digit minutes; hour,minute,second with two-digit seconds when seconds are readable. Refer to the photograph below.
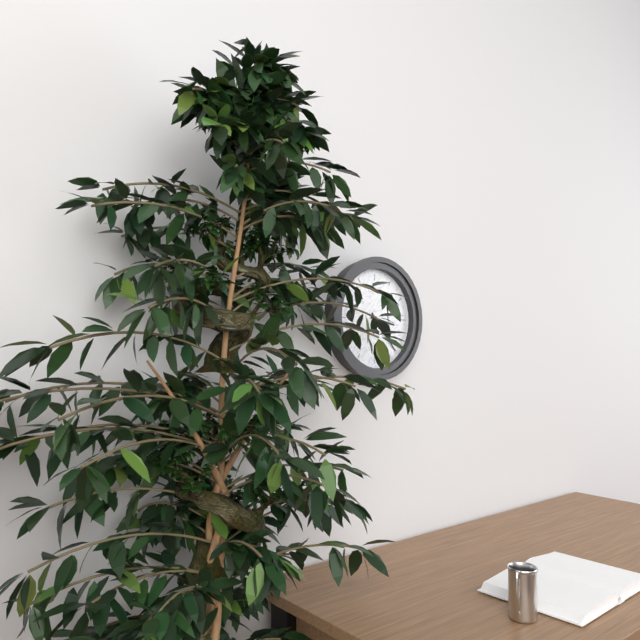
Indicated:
3,23
